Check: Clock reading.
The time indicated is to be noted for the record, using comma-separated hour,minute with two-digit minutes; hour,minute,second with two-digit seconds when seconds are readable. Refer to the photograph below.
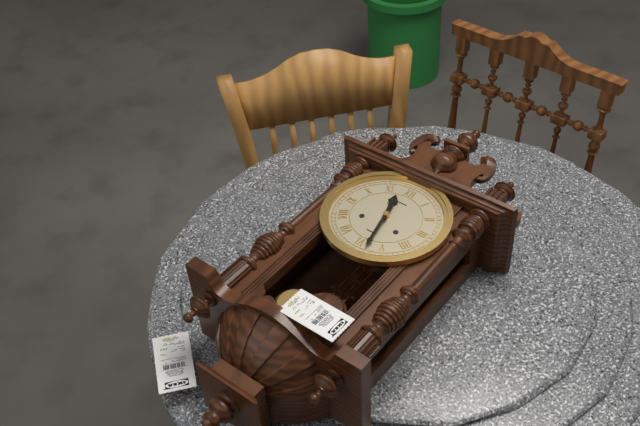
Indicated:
11,28
